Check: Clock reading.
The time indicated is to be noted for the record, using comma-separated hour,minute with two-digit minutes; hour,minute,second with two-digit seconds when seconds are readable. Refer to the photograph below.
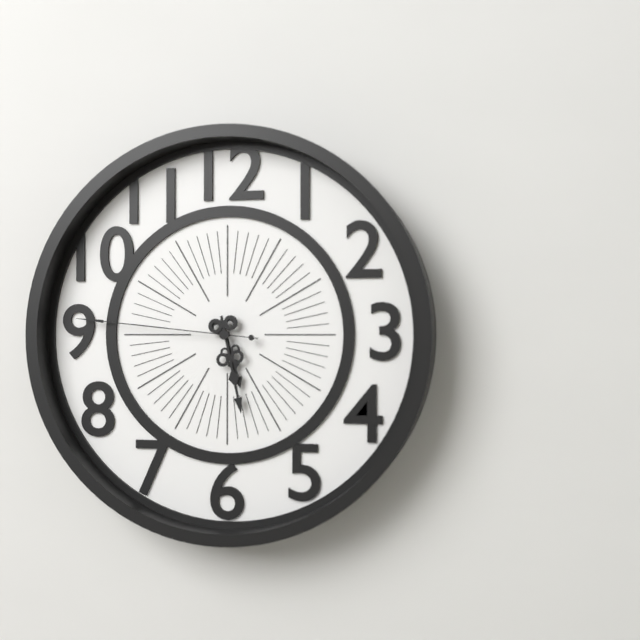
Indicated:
5,28,46
